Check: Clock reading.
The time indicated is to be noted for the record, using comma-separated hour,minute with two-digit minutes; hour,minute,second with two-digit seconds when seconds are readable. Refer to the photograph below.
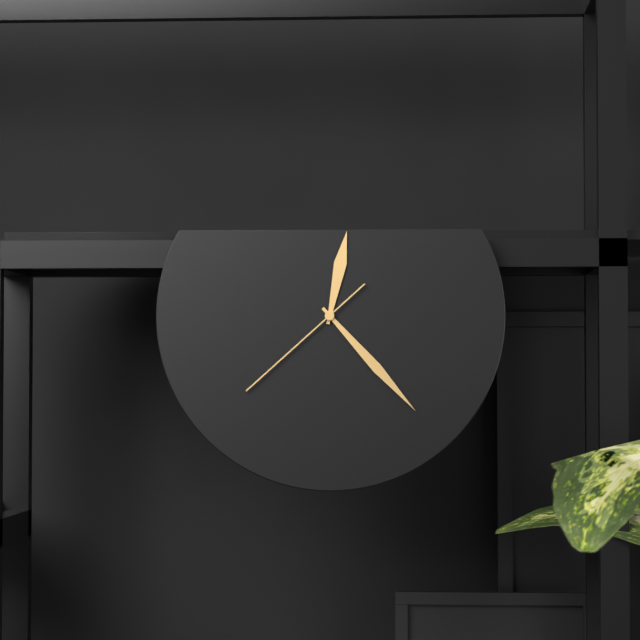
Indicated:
12,23,38
